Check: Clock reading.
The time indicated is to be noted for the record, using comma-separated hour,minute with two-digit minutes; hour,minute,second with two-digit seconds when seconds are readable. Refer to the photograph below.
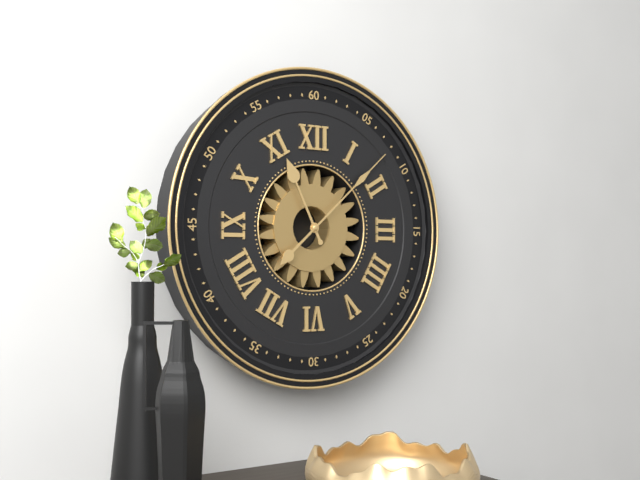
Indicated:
11,08
